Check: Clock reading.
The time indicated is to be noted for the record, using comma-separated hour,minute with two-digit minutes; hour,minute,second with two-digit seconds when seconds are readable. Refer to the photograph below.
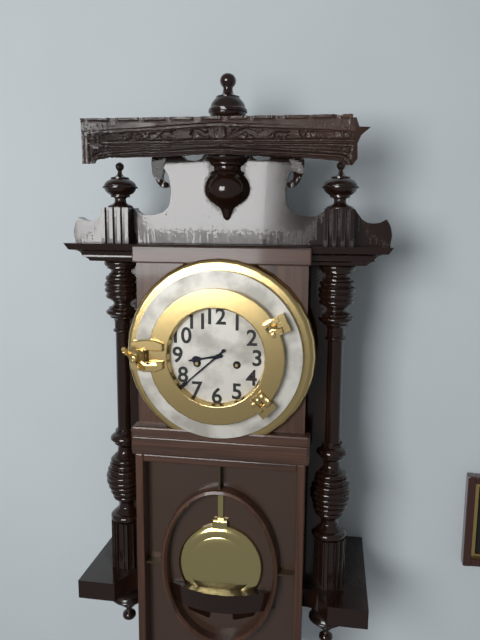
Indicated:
8,38
